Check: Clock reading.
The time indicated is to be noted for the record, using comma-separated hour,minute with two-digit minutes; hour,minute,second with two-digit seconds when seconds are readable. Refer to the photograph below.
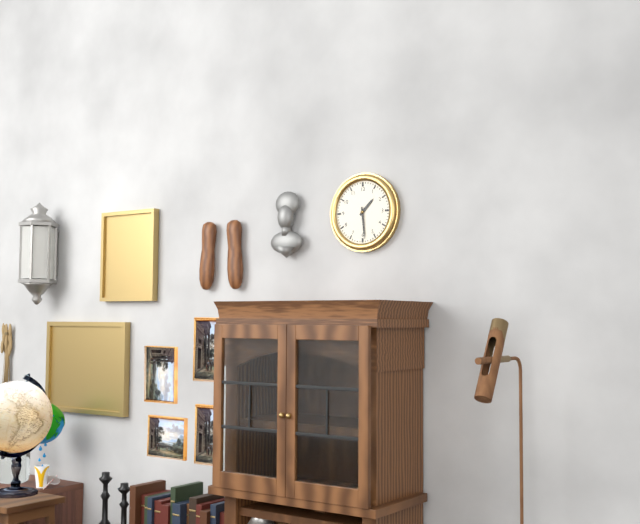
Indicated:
1,29
